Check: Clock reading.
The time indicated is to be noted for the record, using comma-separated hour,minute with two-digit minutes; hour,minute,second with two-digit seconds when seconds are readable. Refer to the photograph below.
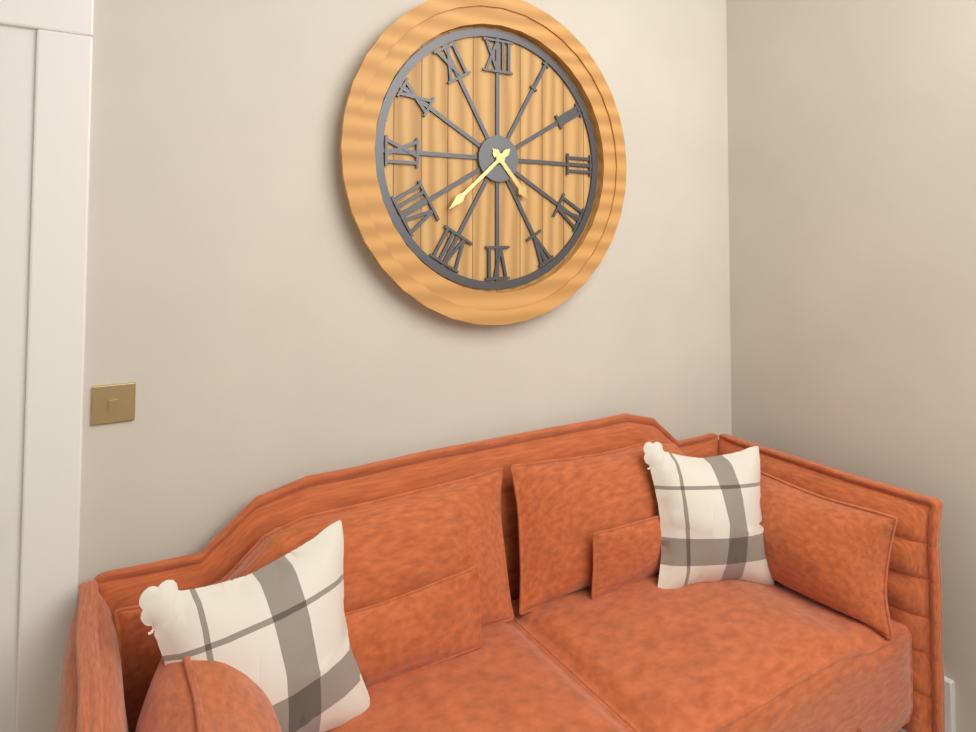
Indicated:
4,38
